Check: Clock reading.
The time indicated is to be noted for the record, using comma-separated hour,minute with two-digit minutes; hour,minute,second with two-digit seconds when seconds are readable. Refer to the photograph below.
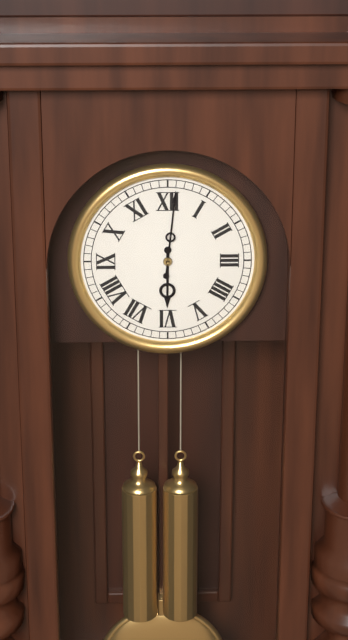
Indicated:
6,01
